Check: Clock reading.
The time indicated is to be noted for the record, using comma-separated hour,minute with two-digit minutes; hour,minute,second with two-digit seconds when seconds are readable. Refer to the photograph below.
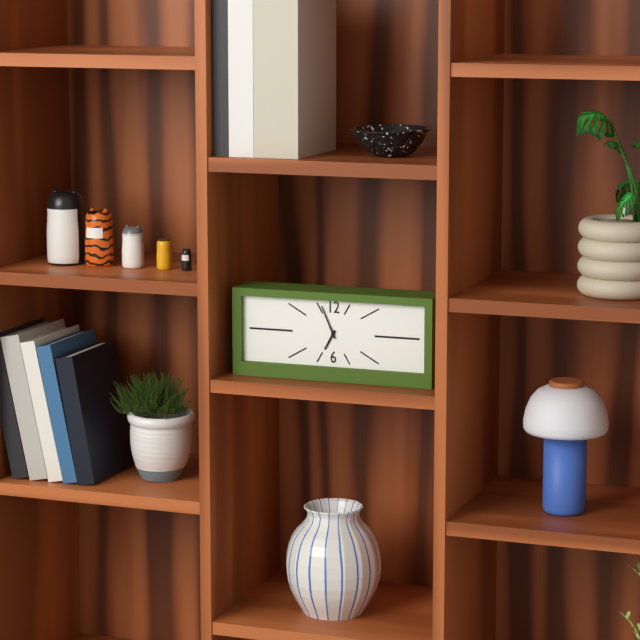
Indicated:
6,56
